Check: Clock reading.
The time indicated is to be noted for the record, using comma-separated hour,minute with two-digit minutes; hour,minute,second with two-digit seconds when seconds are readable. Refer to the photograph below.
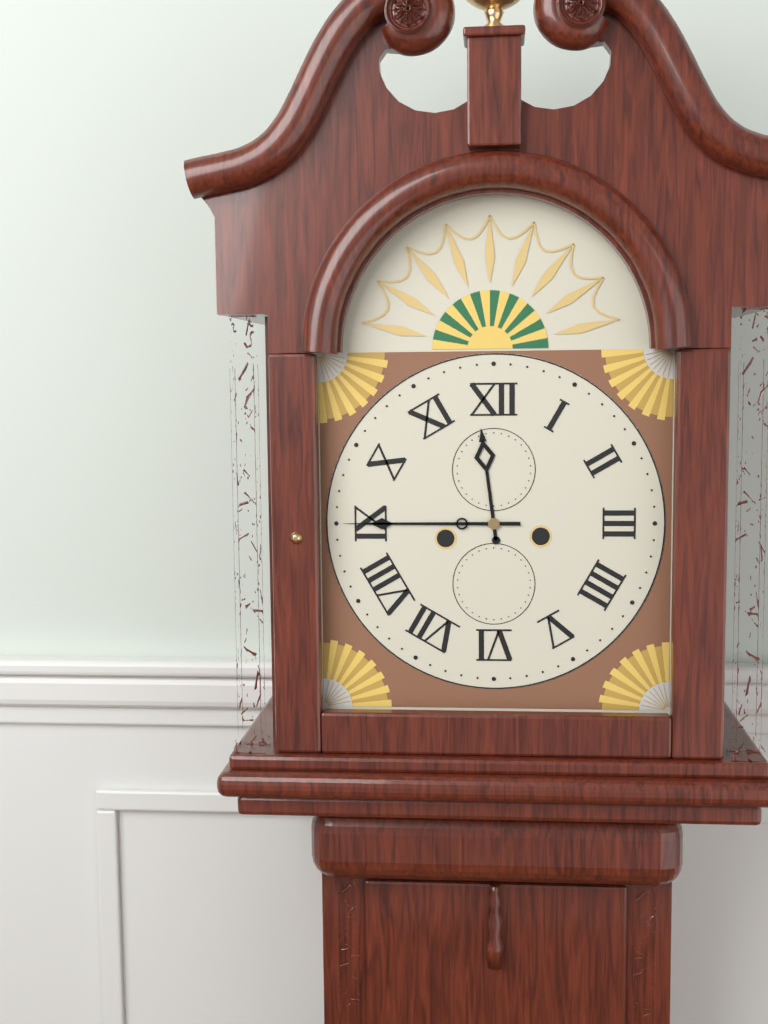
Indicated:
11,45
